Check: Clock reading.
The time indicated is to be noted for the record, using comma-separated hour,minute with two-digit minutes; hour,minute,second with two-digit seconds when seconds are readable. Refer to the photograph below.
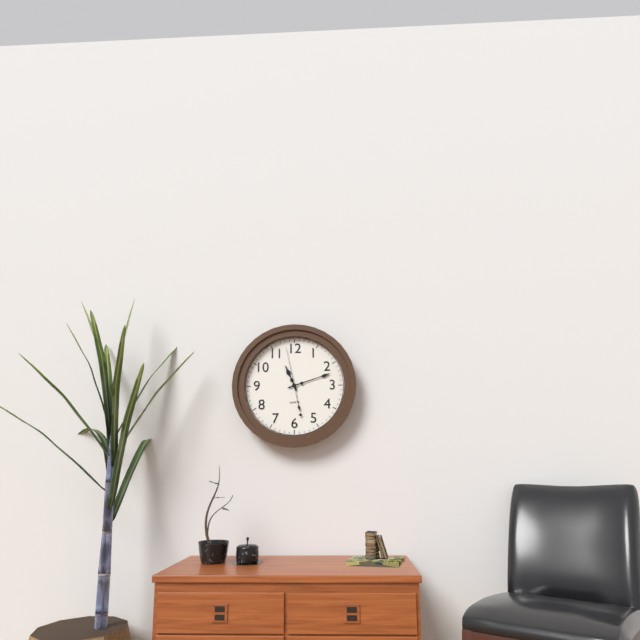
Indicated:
11,12
